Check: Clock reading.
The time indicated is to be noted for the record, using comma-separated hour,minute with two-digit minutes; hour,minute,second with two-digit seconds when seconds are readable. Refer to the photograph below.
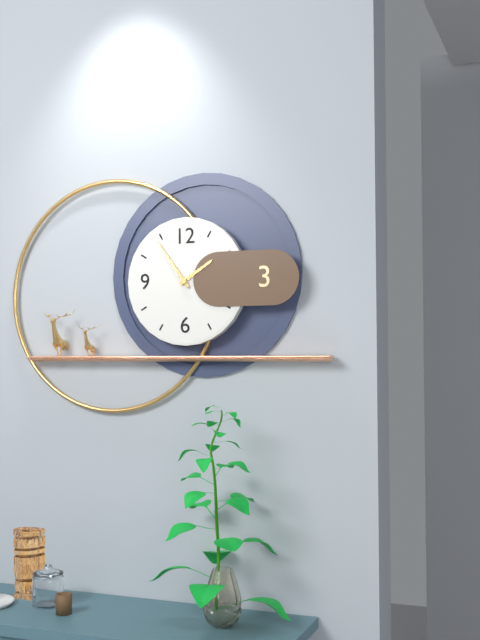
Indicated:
1,54
